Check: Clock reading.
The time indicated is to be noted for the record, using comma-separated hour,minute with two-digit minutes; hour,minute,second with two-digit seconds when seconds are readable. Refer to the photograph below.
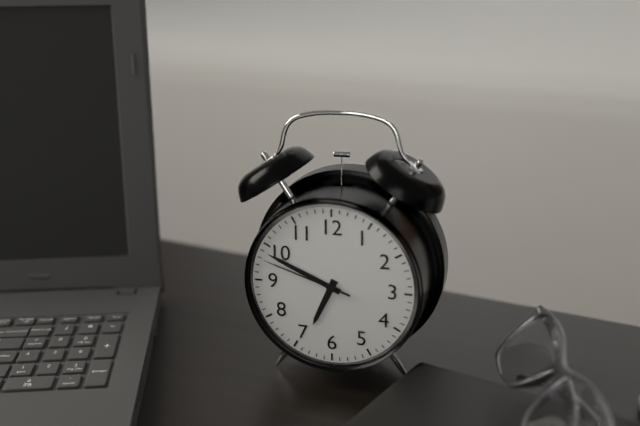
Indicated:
6,49,48
